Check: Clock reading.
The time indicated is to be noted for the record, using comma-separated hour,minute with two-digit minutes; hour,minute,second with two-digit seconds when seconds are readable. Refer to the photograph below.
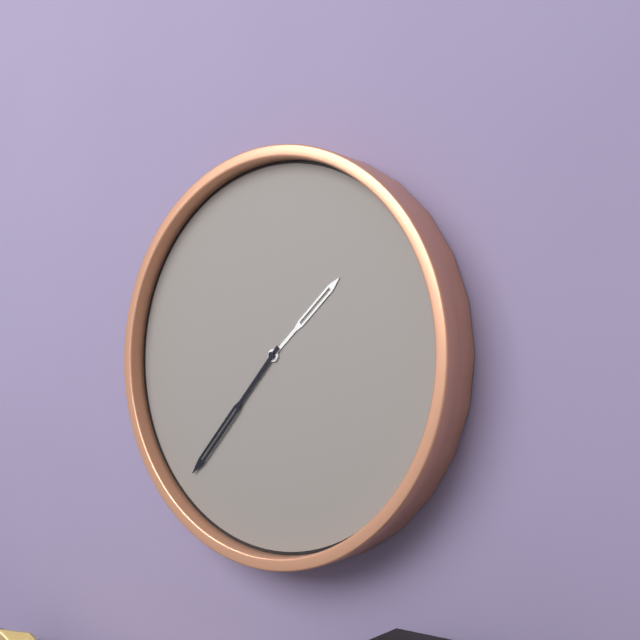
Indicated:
1,37
